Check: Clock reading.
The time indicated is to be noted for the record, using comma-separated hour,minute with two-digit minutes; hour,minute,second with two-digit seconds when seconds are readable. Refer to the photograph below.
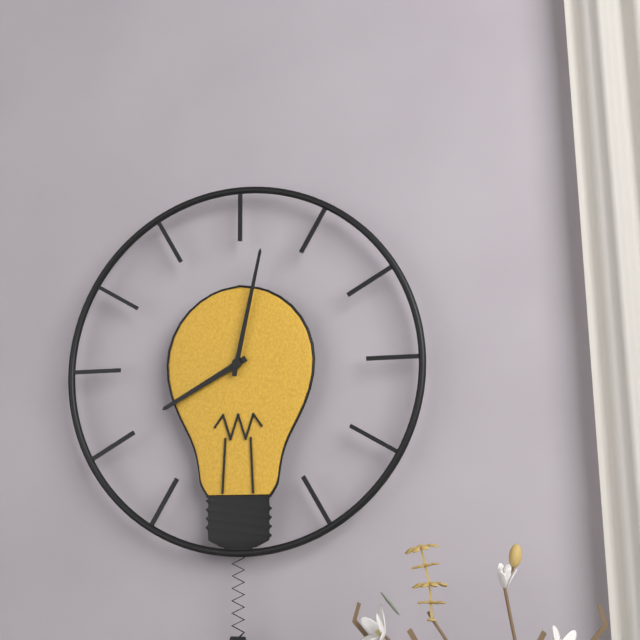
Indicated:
8,02
